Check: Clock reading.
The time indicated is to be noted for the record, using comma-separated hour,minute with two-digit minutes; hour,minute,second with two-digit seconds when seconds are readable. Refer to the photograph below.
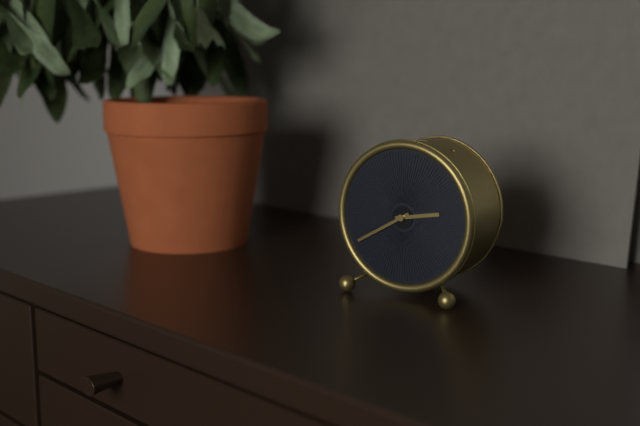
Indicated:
2,40
